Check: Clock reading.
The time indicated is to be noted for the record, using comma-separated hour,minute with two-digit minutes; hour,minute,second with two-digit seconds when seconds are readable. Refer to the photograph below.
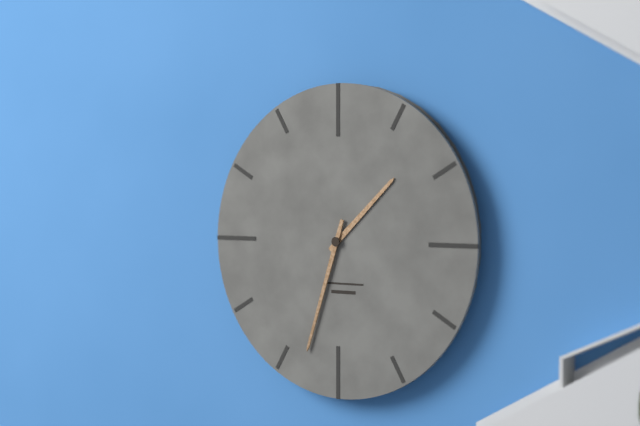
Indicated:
1,33
